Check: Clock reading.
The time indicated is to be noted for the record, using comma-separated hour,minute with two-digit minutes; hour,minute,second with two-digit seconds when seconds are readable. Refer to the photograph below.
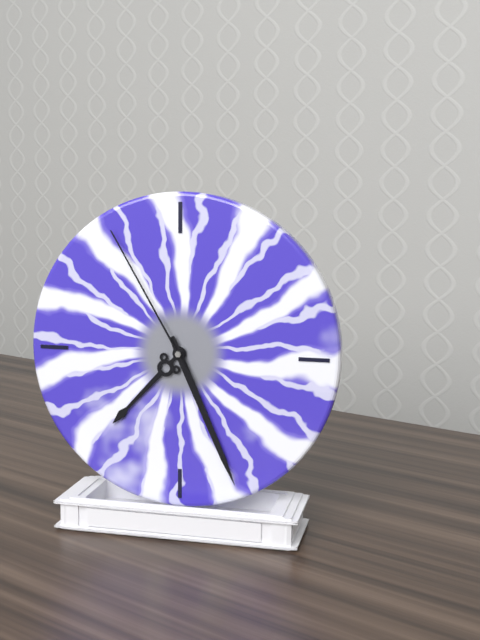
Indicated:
7,26,55
